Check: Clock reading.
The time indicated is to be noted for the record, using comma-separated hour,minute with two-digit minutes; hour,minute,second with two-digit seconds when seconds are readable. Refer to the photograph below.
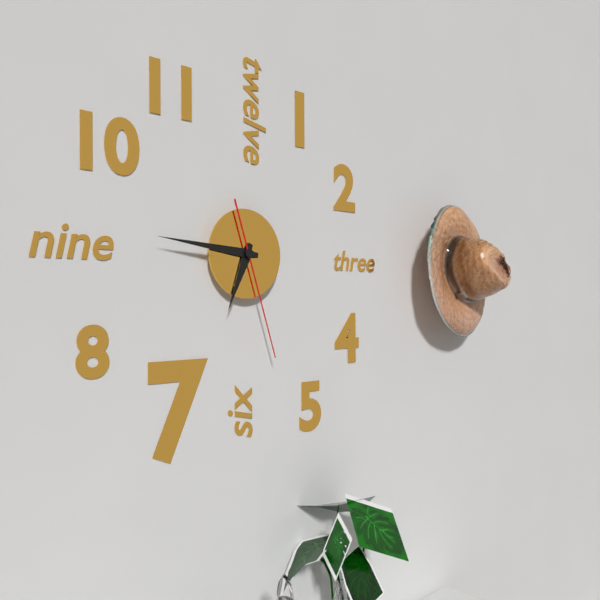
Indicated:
6,46,27
